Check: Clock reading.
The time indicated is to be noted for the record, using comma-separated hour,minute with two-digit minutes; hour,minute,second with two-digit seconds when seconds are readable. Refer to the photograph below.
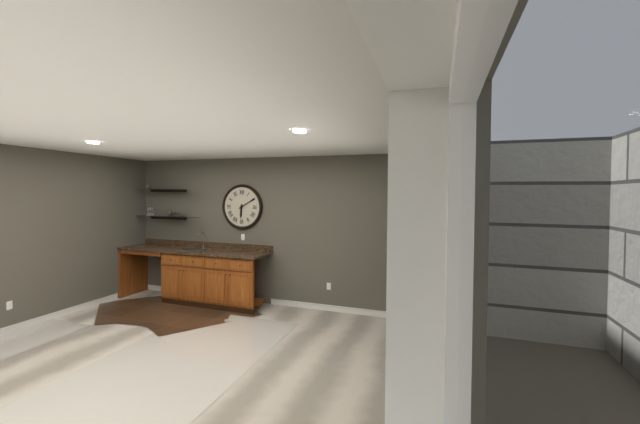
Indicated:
6,10
